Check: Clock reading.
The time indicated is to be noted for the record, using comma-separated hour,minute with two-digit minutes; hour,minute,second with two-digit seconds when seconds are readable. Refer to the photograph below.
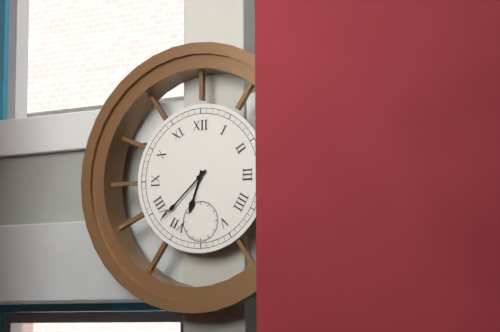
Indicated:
6,38
